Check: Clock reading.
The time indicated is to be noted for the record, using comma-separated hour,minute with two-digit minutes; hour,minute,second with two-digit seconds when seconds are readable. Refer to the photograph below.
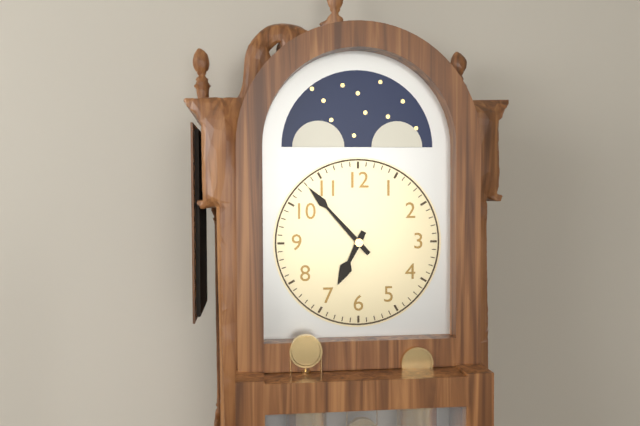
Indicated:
6,53
